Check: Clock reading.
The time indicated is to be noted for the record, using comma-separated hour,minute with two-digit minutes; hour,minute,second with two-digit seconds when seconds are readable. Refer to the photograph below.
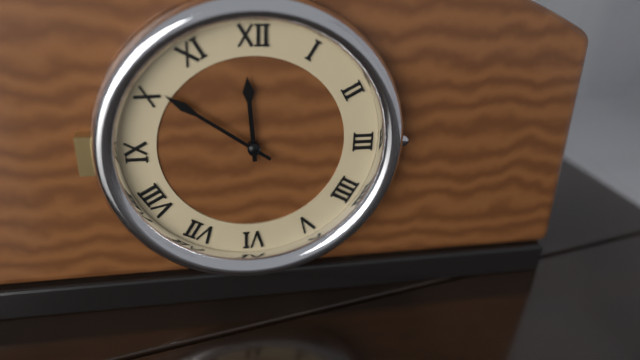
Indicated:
11,51
